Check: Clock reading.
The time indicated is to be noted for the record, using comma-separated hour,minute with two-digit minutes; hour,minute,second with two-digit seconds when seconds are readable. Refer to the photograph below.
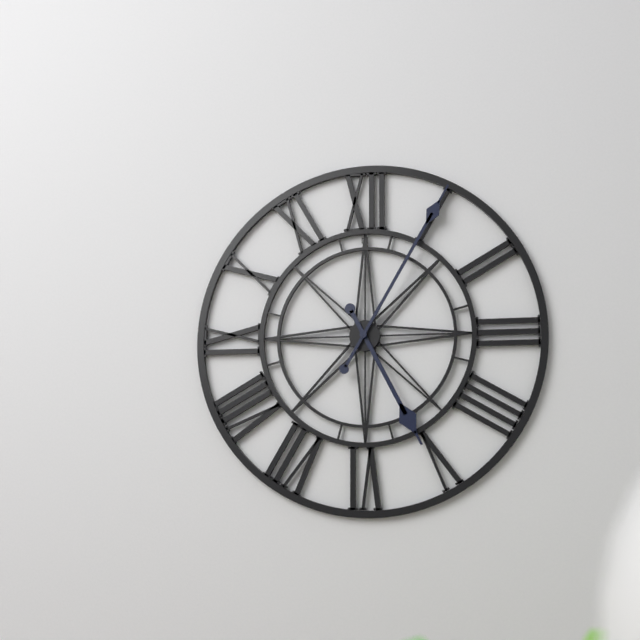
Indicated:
5,05
